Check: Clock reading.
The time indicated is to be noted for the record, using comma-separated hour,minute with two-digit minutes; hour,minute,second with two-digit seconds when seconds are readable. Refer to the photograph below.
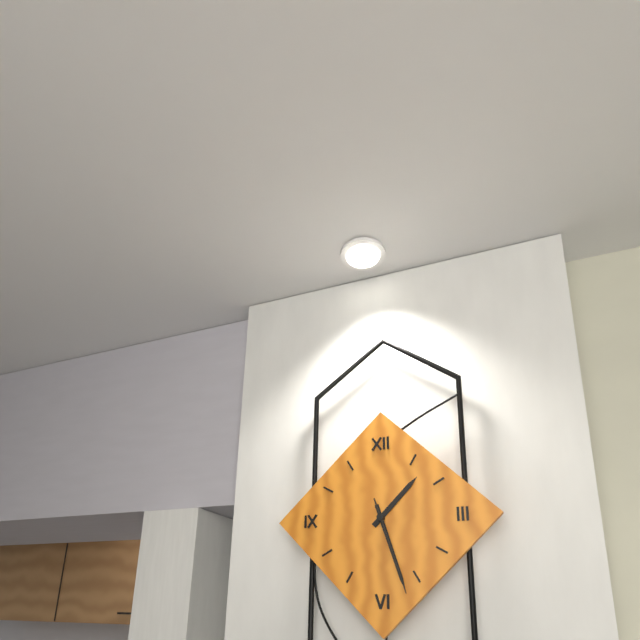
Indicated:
1,27,27
